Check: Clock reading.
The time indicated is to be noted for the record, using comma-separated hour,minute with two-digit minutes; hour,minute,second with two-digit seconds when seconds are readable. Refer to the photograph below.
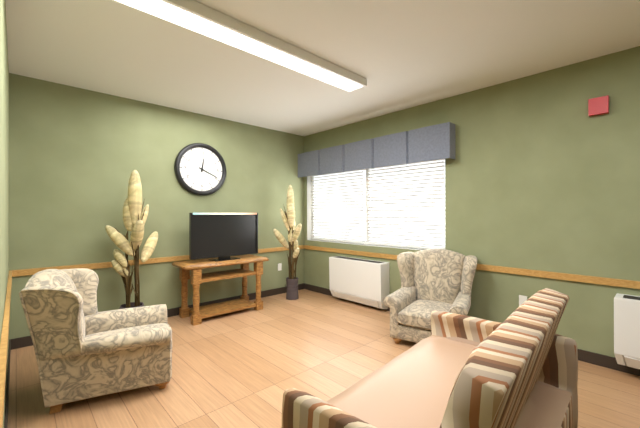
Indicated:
12,19
